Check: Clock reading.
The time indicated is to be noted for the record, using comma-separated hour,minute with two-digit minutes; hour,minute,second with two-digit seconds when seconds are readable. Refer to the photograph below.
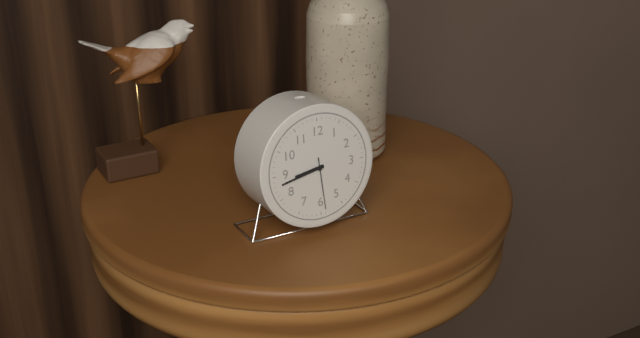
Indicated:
8,43,29
